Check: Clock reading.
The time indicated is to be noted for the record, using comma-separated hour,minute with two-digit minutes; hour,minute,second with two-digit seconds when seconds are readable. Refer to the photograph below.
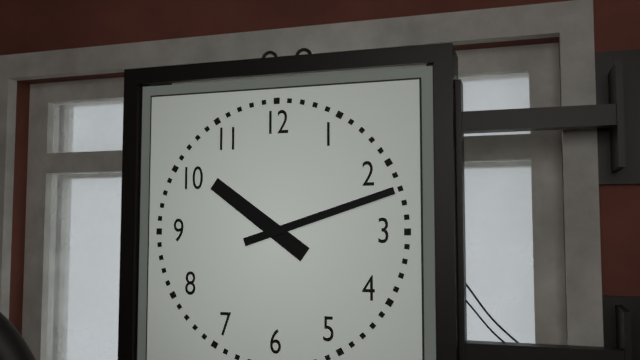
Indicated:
10,12
